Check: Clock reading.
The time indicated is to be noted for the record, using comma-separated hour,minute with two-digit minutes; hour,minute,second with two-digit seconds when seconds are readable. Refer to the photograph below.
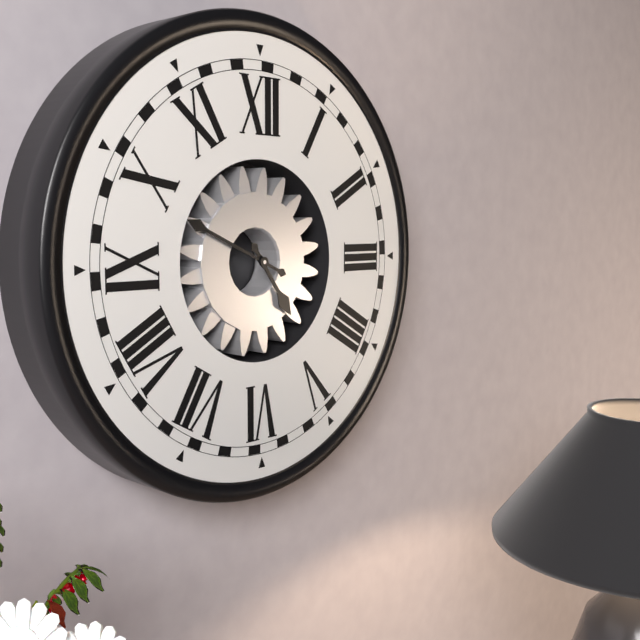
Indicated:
4,49
